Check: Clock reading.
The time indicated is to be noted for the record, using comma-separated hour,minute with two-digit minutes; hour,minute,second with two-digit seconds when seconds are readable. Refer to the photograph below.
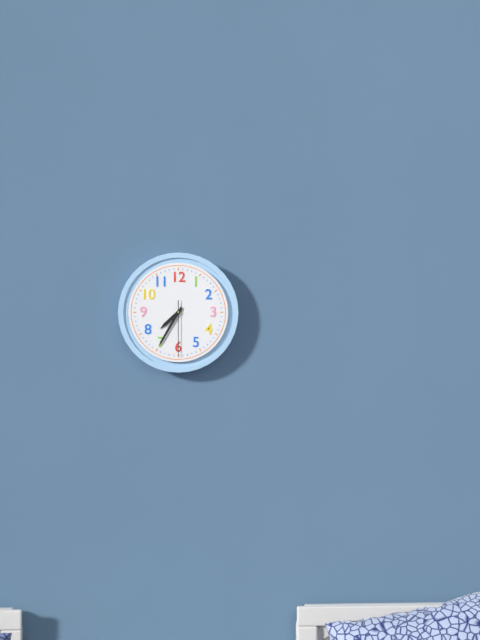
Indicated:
7,35,30
